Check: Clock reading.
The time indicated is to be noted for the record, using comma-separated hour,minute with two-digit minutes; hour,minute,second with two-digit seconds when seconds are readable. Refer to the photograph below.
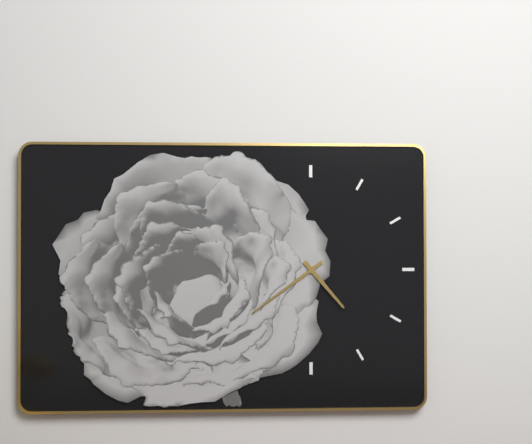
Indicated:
4,39
